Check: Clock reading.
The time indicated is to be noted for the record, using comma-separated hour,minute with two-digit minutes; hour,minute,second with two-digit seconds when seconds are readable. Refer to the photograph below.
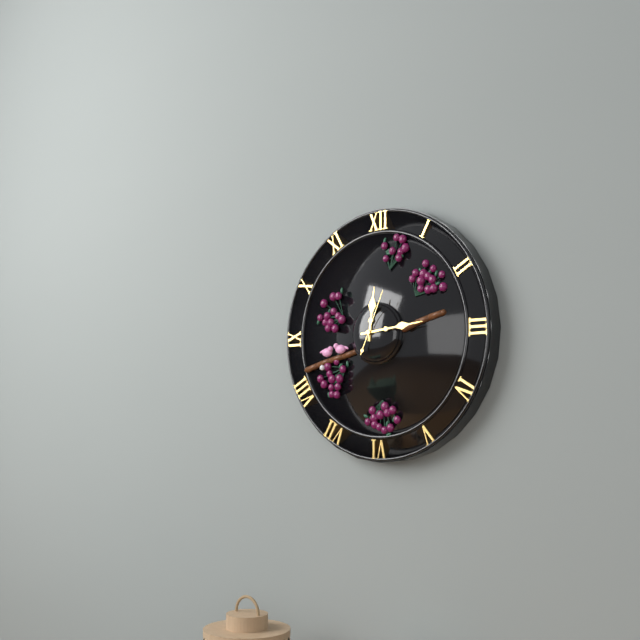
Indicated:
12,14,04
